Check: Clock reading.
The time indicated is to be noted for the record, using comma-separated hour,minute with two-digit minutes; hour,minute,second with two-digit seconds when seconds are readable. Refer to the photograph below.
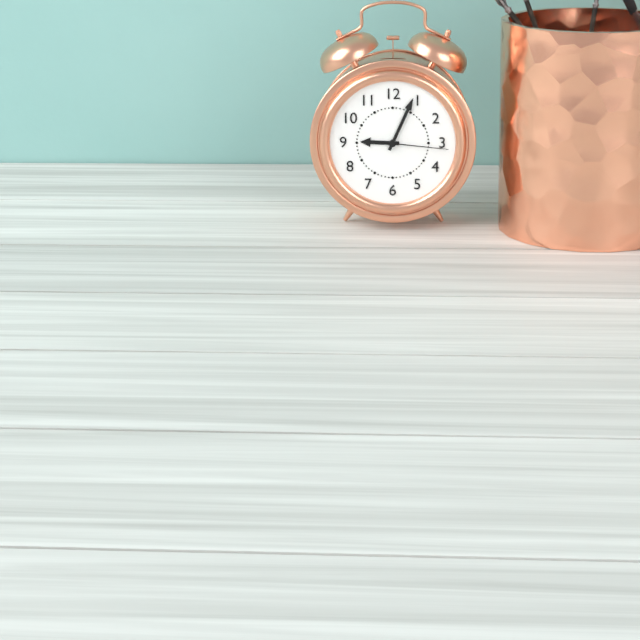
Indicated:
9,04,16
